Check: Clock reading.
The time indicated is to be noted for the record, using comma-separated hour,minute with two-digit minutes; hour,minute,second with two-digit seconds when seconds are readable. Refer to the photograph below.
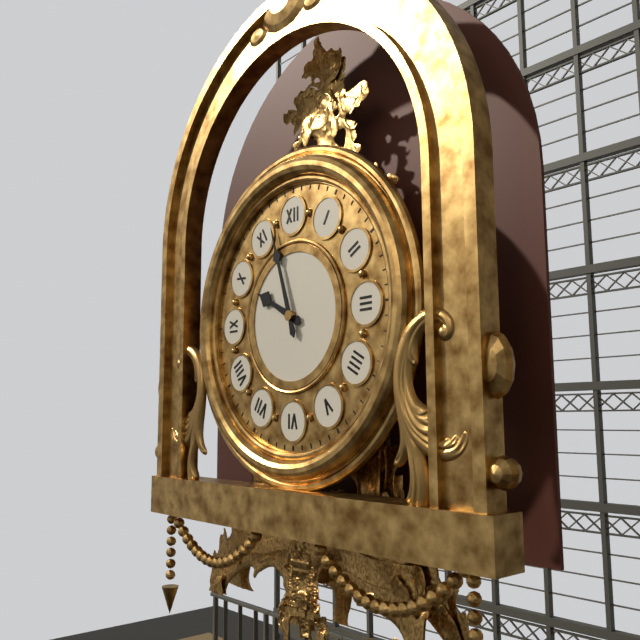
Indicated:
9,57
